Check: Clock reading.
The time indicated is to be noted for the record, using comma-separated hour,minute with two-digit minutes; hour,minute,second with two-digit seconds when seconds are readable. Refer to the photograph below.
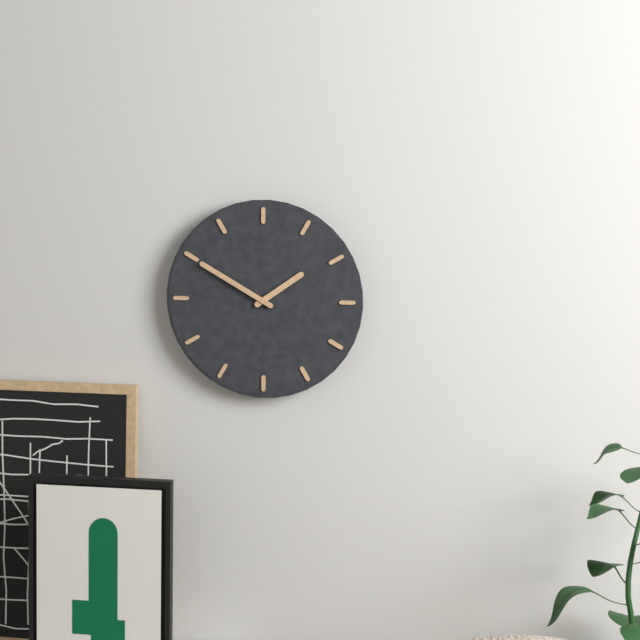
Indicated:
1,50
